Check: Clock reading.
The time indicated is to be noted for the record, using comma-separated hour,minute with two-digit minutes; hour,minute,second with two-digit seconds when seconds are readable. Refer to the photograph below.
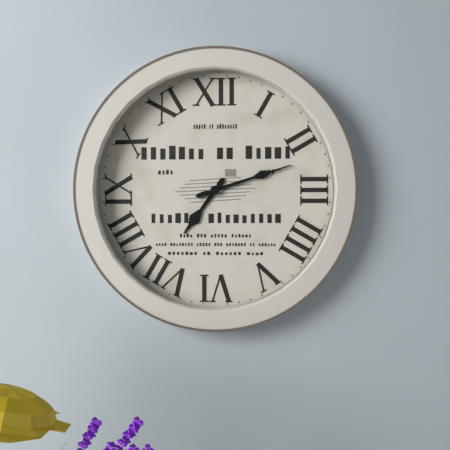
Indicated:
7,12
